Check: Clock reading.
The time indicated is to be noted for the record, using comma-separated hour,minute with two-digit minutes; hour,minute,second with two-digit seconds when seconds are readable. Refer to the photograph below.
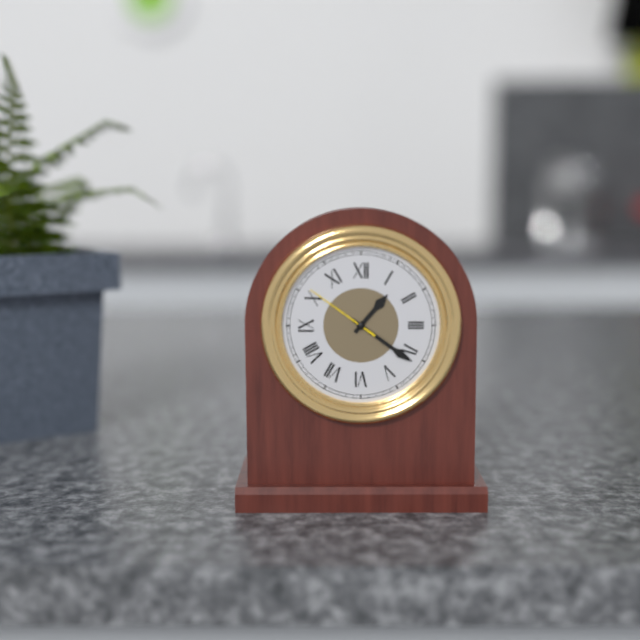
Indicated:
1,21,51
